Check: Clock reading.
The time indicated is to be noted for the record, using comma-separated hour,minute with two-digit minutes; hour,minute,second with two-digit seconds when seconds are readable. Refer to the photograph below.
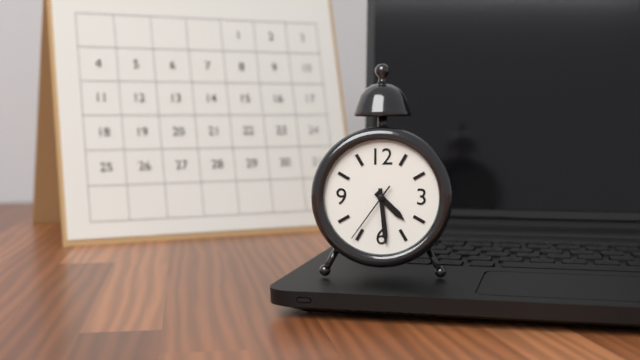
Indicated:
4,29,36
